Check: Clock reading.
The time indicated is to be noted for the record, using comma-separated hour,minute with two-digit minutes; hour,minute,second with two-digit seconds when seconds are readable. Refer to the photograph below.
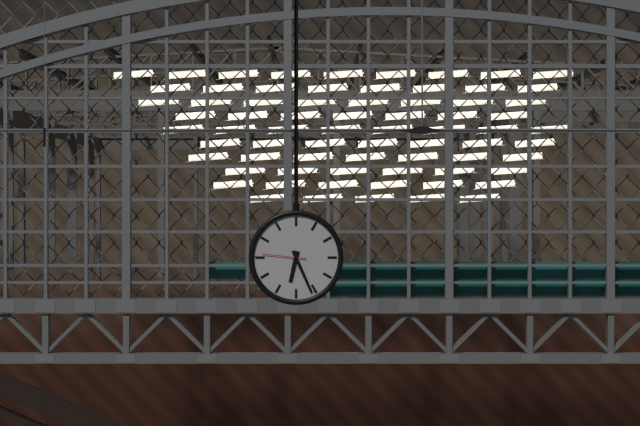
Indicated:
6,26
